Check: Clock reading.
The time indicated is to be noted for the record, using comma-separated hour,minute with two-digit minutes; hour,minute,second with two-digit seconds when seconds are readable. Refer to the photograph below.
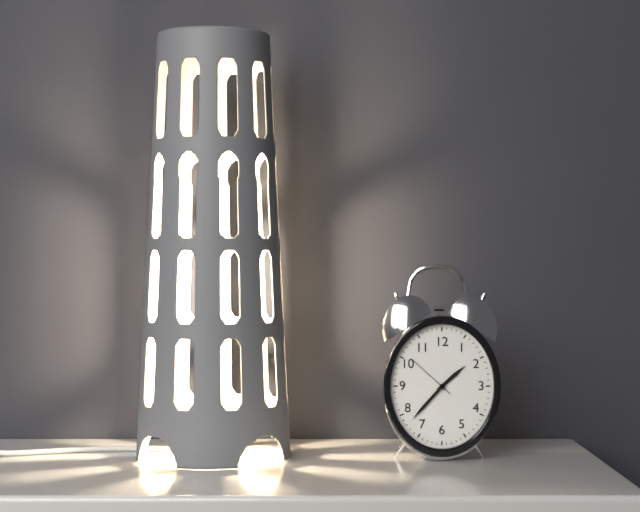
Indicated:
1,37
